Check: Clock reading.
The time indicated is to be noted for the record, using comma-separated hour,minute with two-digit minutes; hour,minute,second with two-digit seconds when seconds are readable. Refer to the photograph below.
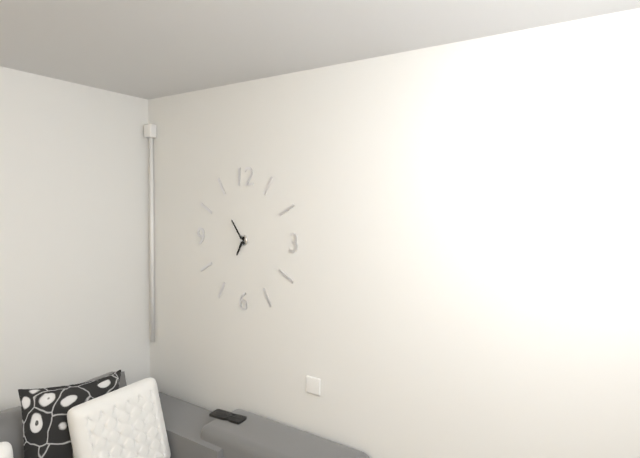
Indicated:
6,54
